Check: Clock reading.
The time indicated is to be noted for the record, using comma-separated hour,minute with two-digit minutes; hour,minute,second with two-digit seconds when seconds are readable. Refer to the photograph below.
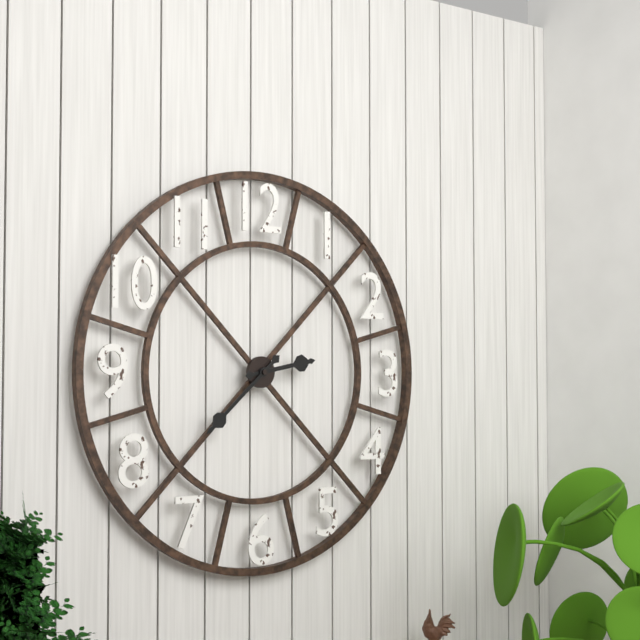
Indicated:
2,38
